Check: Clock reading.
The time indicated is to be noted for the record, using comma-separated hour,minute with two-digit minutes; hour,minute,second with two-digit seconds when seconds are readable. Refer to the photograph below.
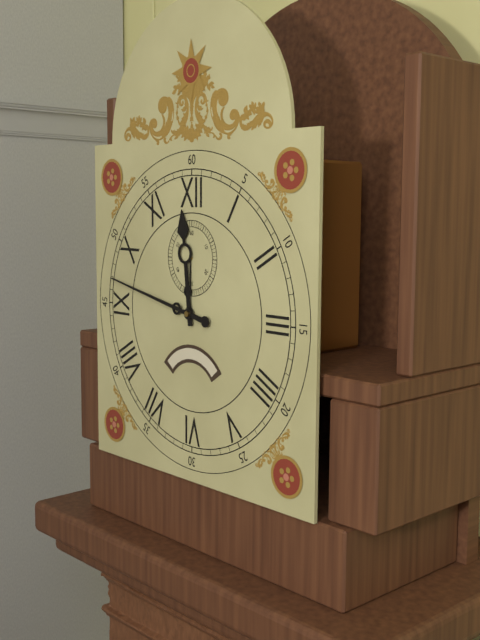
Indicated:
11,47
